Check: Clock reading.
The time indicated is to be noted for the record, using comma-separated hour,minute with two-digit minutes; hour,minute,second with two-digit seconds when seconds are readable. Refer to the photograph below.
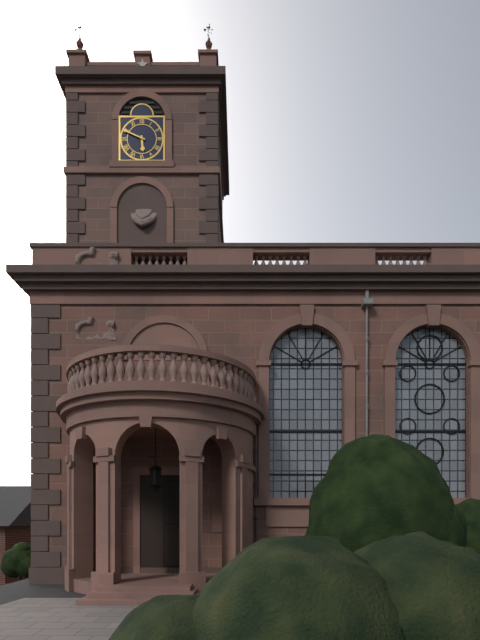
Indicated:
5,49
